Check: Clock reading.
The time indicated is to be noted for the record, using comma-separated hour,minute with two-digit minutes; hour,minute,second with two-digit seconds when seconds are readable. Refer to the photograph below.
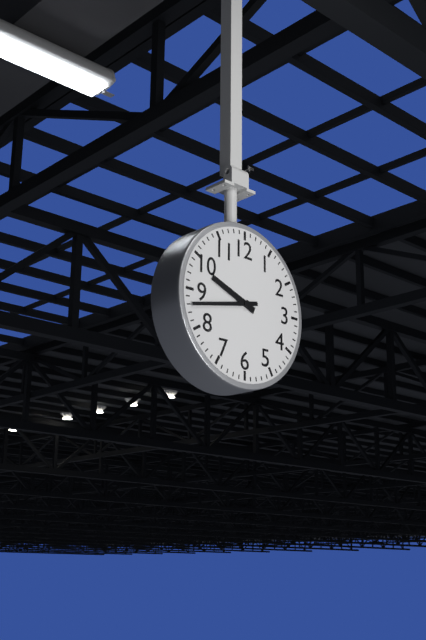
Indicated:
9,43
